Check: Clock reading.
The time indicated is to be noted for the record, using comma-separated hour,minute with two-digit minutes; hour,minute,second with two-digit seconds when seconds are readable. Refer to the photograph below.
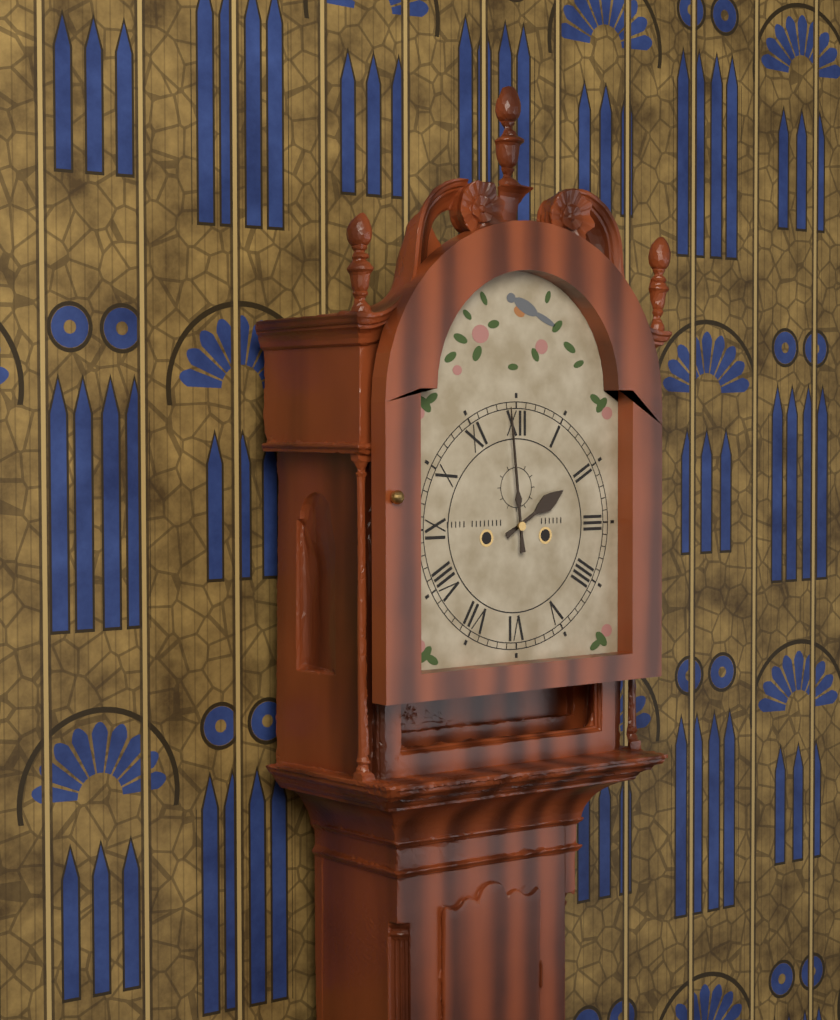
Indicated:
1,59
